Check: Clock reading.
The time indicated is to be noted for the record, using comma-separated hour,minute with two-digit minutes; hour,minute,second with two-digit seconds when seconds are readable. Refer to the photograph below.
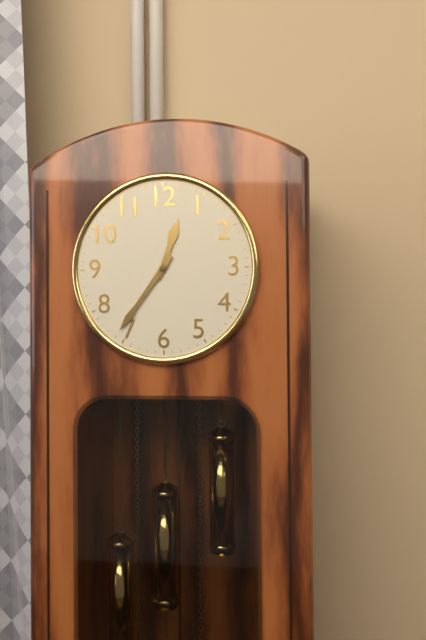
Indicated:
12,36
